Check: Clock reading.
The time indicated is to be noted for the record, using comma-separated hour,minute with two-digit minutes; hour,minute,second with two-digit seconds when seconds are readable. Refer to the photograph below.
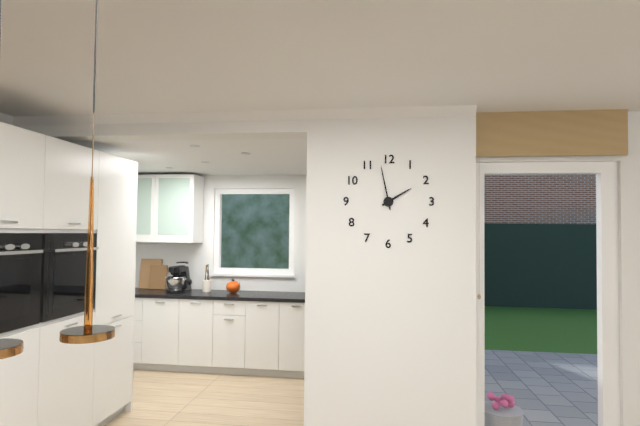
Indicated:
1,58
